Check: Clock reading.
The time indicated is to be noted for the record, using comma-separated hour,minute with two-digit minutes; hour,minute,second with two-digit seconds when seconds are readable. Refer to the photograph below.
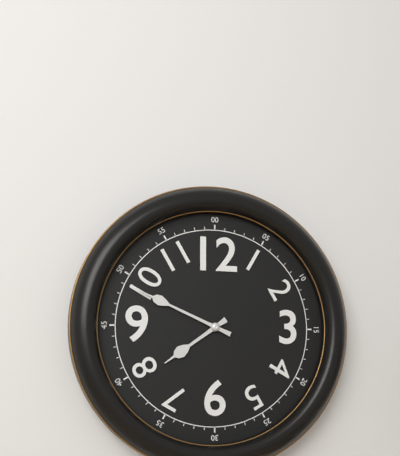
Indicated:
7,49
